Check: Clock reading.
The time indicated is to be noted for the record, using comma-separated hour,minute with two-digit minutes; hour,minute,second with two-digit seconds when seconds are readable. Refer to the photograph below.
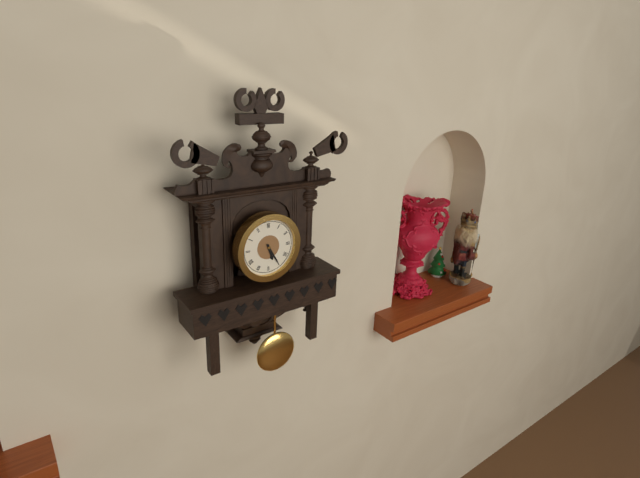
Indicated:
5,25
